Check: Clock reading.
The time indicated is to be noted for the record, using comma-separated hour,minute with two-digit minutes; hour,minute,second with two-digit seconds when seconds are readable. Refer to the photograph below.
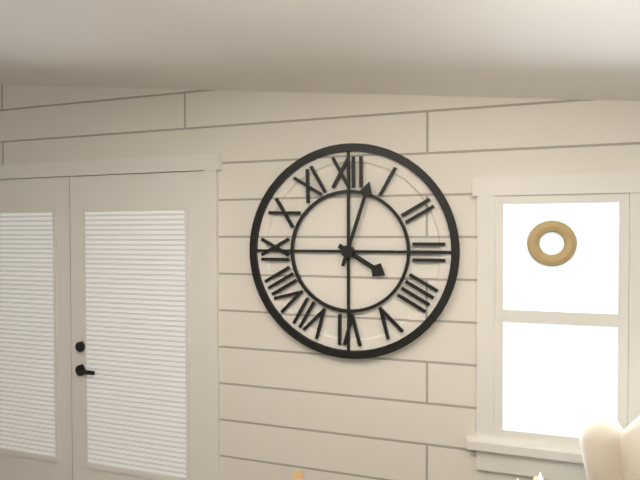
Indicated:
4,03
